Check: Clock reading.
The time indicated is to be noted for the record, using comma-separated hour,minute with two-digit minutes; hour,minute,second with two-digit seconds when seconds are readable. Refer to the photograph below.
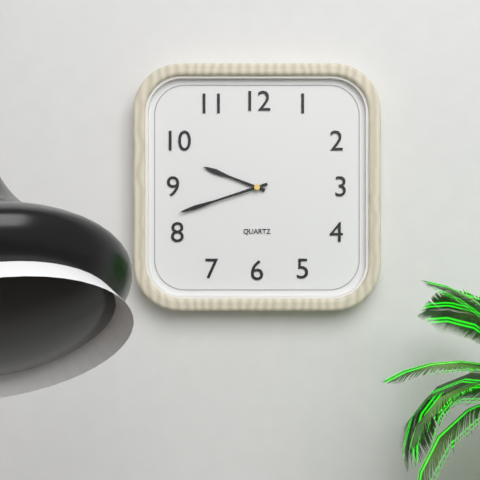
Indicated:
9,42
